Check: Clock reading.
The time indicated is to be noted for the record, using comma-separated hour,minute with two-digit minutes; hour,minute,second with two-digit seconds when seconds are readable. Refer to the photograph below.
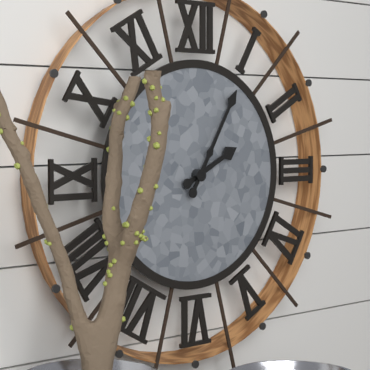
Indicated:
2,05
